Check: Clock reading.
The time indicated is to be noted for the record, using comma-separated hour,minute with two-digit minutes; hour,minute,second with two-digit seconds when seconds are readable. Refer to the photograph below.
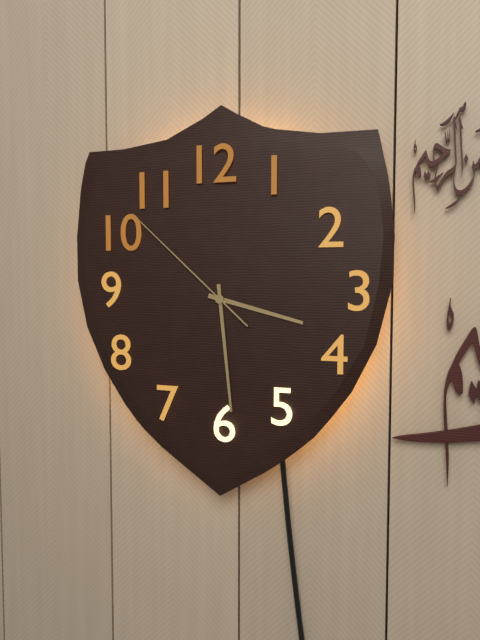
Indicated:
3,29,52
